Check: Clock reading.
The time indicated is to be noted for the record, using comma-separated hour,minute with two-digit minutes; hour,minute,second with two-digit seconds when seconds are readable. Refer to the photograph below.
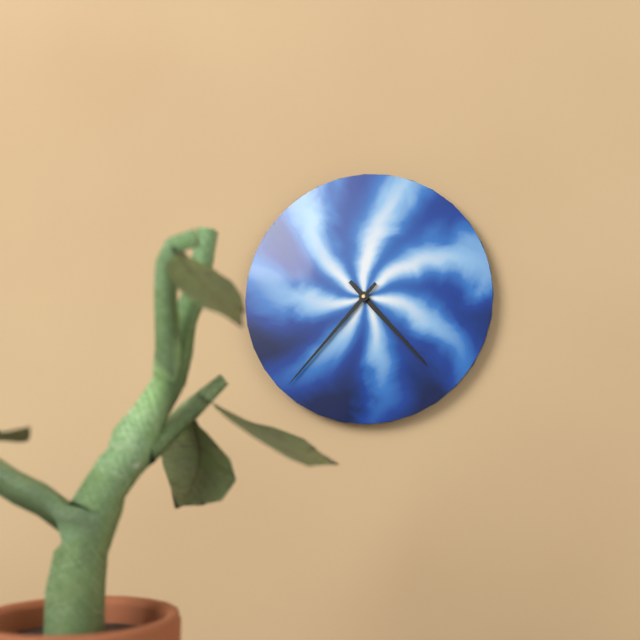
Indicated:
4,37
